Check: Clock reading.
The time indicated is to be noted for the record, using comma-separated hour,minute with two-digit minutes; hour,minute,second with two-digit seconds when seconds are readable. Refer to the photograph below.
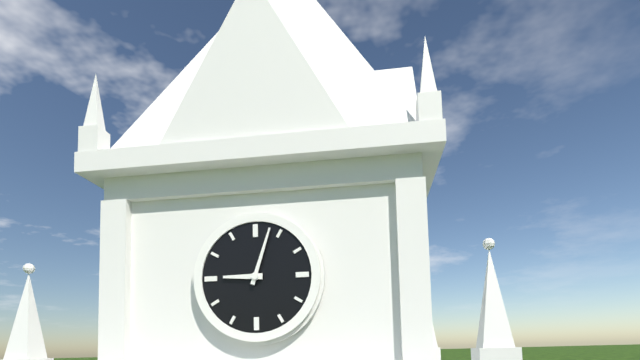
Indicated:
9,03
